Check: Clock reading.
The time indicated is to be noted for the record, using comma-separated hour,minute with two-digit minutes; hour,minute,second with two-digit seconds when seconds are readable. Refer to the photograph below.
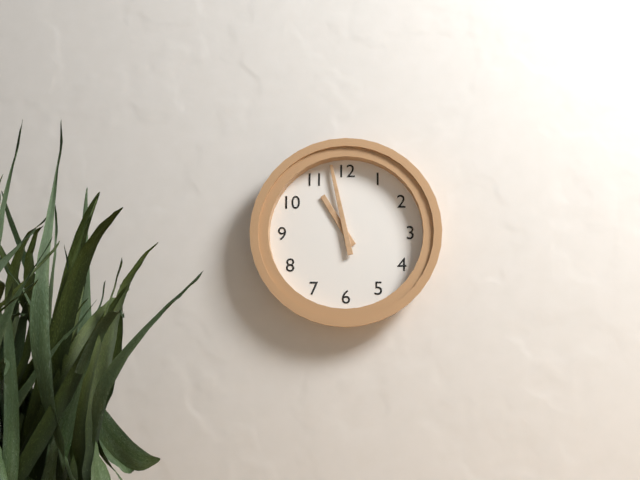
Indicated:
10,58
